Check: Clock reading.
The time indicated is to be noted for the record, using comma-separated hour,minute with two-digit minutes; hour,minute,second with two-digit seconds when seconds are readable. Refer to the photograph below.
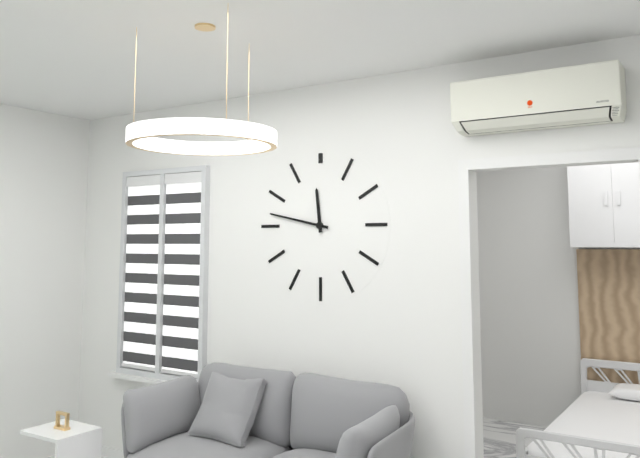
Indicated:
11,47
